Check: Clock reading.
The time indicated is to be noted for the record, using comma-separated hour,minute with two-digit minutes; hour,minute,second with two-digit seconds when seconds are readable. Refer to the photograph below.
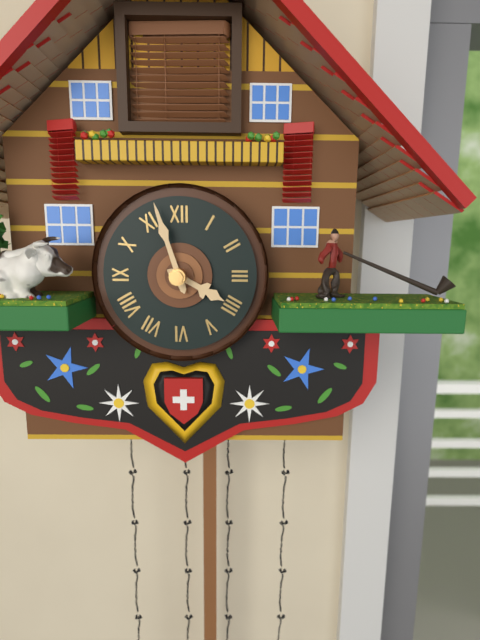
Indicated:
3,57
